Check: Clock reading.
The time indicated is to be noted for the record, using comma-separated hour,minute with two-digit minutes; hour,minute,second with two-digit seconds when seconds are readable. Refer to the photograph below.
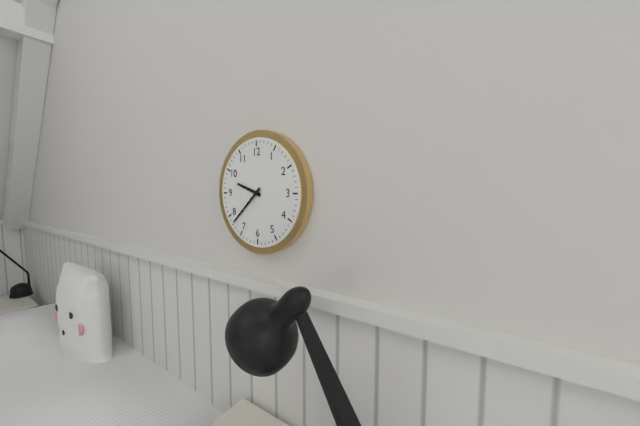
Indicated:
9,38
